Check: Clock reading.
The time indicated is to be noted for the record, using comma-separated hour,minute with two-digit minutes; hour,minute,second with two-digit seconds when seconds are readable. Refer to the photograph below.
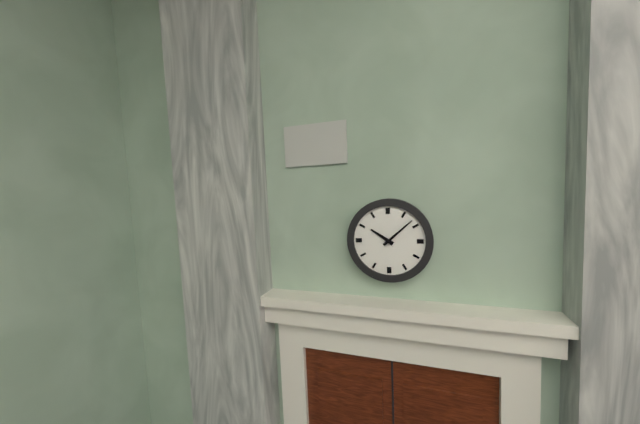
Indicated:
10,08
